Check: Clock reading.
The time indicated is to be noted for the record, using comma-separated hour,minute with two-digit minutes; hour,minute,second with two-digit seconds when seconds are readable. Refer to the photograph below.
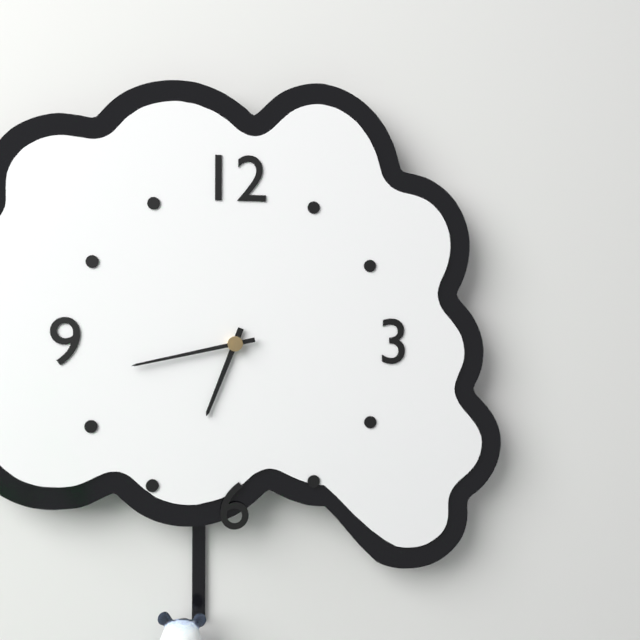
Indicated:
6,43
